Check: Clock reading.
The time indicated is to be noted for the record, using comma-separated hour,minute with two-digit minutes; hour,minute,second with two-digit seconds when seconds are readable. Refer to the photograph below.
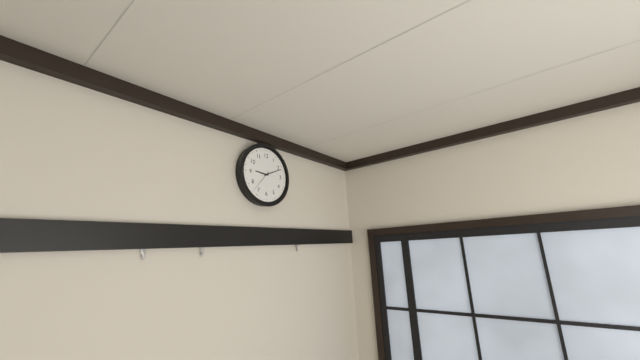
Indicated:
9,11
